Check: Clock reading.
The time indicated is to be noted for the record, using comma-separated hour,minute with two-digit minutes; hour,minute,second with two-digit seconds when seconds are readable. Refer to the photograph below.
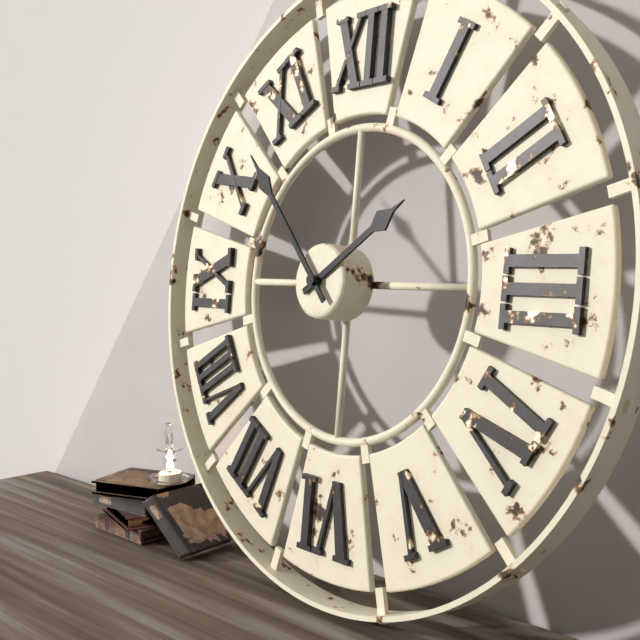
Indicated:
1,53
